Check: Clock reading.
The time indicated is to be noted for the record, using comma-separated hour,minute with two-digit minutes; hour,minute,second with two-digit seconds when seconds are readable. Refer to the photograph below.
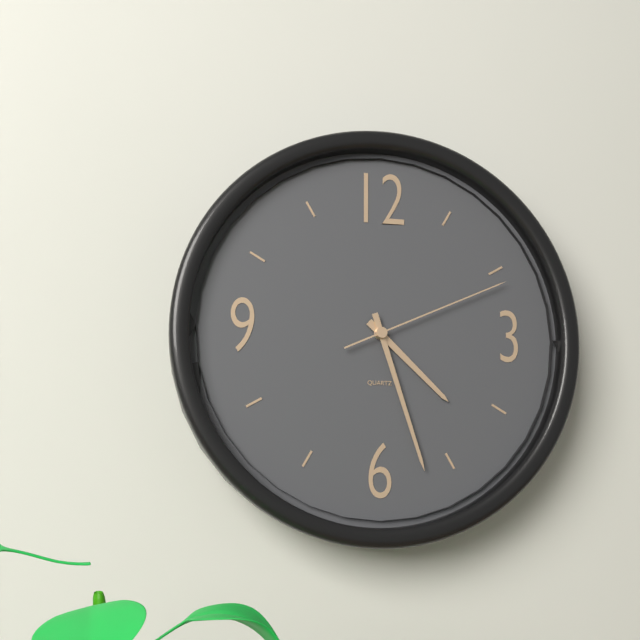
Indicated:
4,27,11
